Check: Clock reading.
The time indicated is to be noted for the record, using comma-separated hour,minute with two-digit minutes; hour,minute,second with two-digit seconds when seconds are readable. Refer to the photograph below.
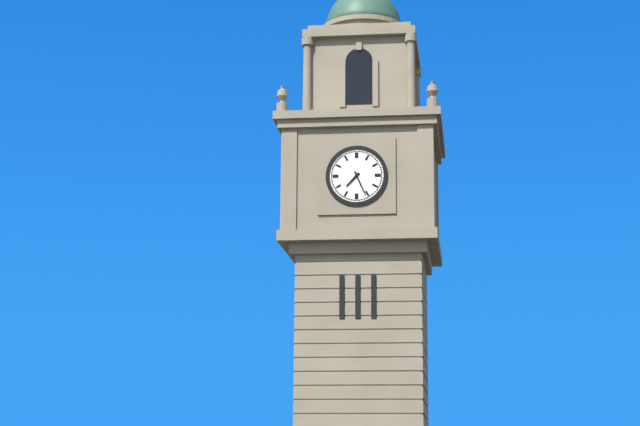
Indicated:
7,26
